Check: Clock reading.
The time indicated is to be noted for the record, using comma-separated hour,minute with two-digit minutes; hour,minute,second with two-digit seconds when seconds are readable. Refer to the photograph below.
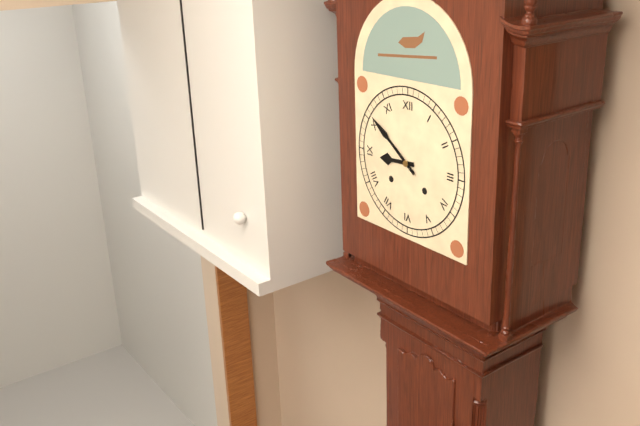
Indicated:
8,51
